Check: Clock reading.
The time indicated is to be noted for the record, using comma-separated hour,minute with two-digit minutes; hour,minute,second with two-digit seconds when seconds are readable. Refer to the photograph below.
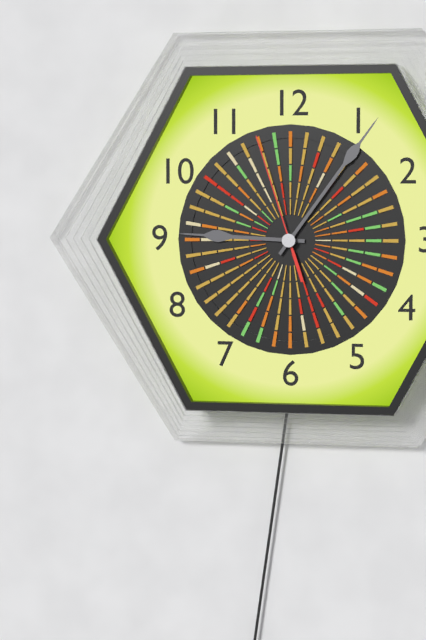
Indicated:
9,06,57
